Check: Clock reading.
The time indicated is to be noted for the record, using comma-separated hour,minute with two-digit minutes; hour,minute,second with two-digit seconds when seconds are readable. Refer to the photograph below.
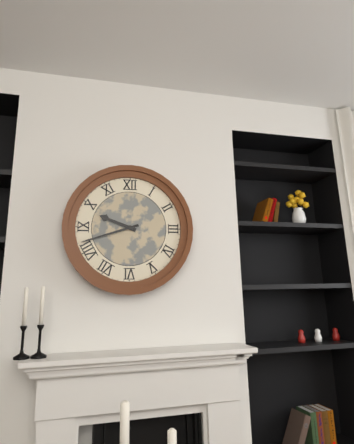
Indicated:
9,42
